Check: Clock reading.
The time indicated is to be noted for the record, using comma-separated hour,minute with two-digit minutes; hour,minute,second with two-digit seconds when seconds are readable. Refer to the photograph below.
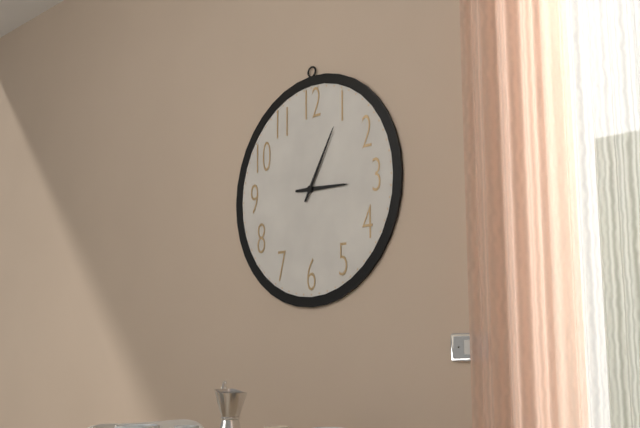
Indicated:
3,05
